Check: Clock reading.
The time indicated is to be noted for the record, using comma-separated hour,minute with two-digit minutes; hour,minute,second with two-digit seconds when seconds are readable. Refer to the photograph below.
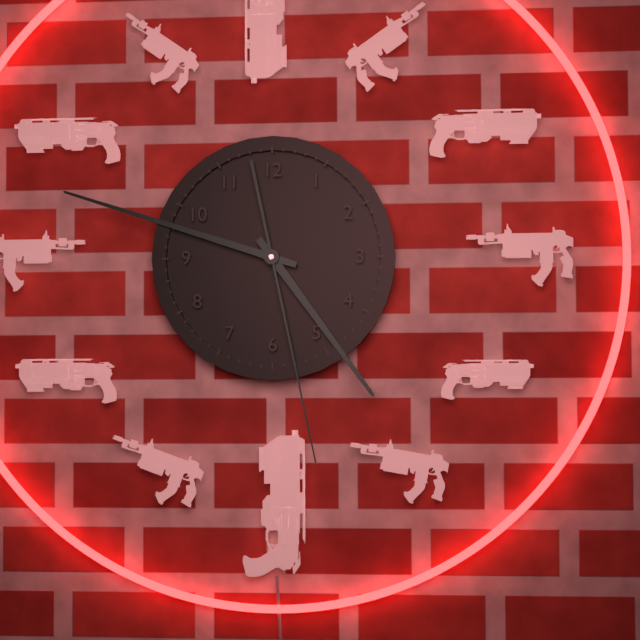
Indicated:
4,48,28
